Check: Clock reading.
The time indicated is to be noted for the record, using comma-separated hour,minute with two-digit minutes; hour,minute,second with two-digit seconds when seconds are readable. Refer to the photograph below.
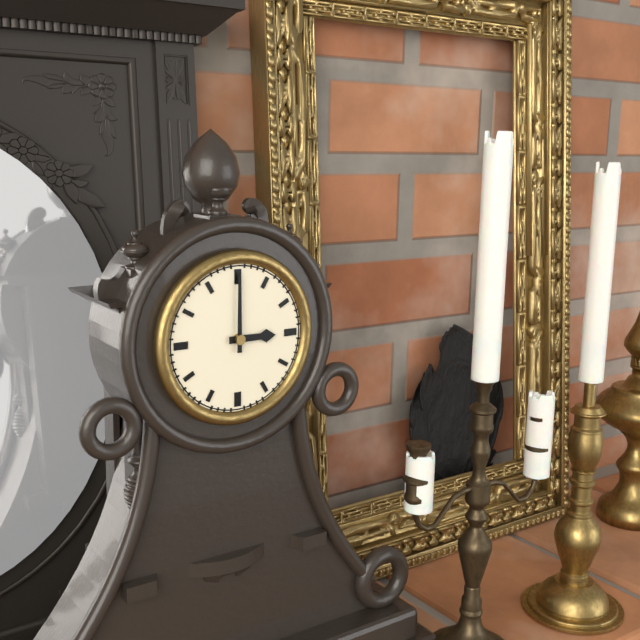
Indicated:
3,00
